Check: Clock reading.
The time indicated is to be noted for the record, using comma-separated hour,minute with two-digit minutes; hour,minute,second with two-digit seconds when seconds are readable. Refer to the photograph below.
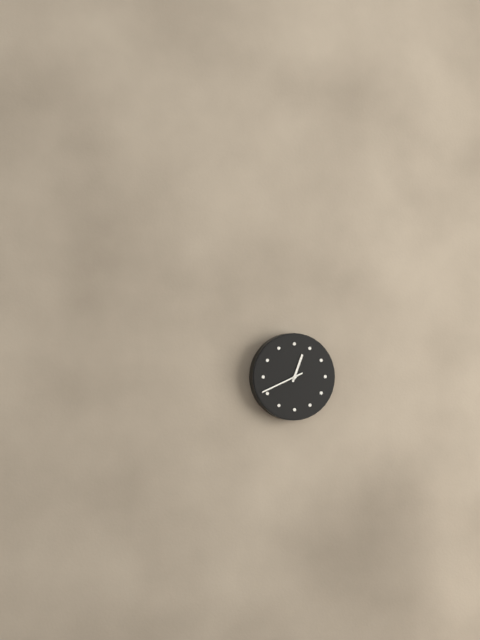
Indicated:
12,41
